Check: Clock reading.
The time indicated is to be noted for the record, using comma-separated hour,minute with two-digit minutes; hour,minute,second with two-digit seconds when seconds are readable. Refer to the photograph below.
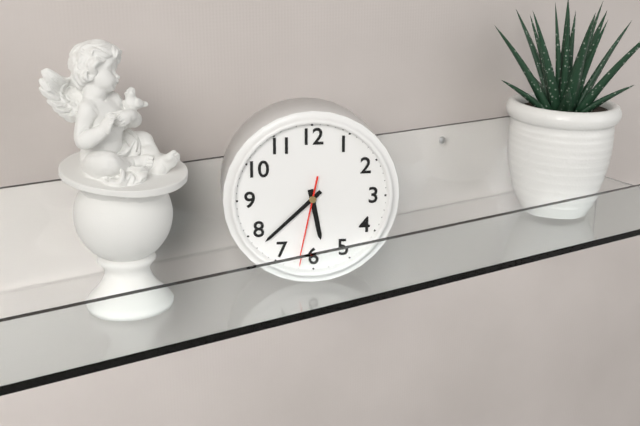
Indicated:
5,38,32
